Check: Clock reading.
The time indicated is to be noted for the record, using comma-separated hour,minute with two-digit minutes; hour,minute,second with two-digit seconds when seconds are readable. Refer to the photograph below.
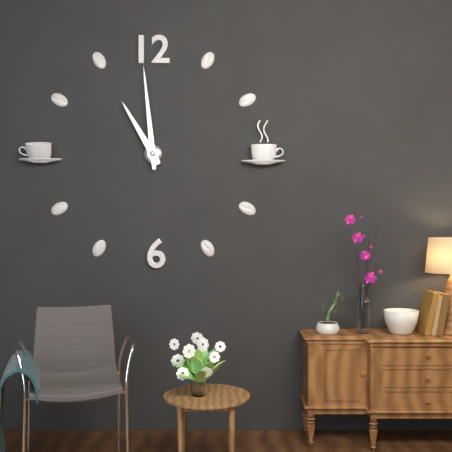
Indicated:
10,59
